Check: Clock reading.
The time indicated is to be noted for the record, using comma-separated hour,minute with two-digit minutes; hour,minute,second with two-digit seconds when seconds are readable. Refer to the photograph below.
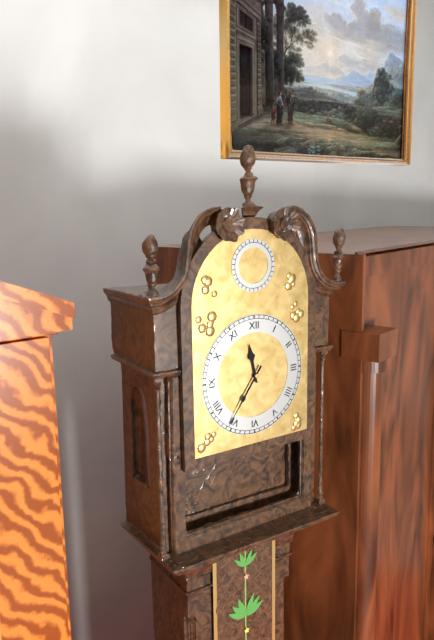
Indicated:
11,36
